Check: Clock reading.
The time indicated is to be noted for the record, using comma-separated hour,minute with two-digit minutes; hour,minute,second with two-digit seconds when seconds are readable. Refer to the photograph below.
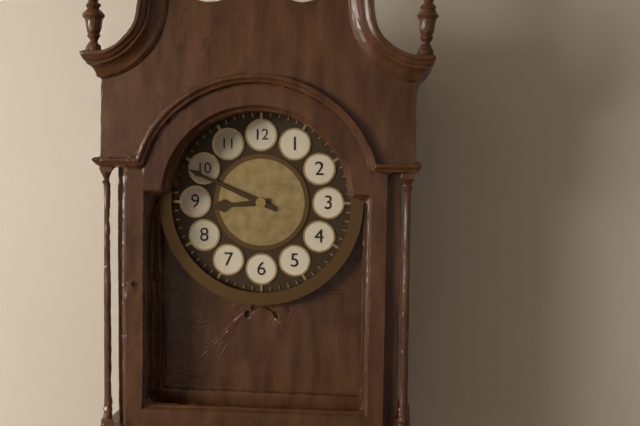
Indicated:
8,49
